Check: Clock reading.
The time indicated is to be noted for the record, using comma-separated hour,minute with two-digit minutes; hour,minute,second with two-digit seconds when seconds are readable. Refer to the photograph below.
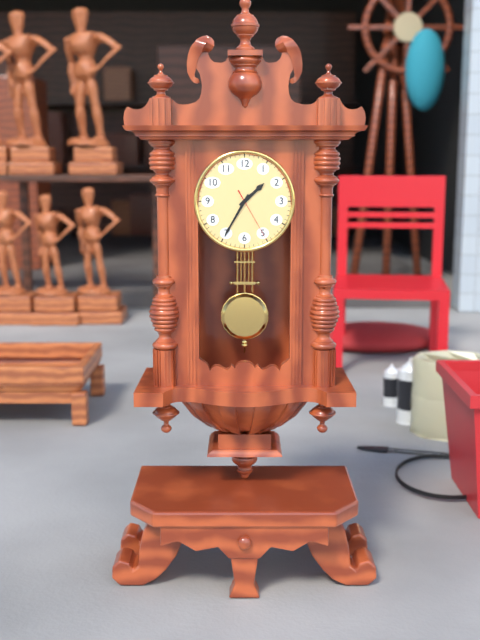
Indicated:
1,35,25
